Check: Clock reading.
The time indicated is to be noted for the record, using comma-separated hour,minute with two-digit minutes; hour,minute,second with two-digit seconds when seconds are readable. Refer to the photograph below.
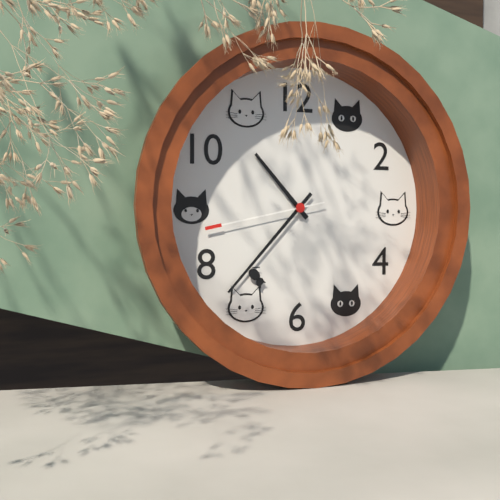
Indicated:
10,37,43
